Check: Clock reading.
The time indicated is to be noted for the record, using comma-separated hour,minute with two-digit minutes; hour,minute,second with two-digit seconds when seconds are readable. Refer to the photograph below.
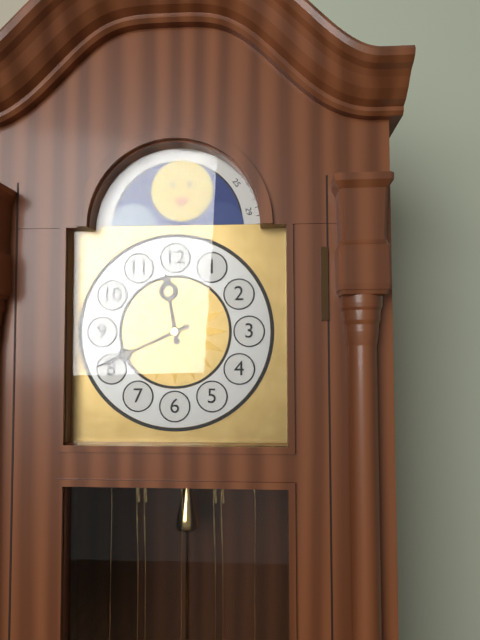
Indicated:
11,41
